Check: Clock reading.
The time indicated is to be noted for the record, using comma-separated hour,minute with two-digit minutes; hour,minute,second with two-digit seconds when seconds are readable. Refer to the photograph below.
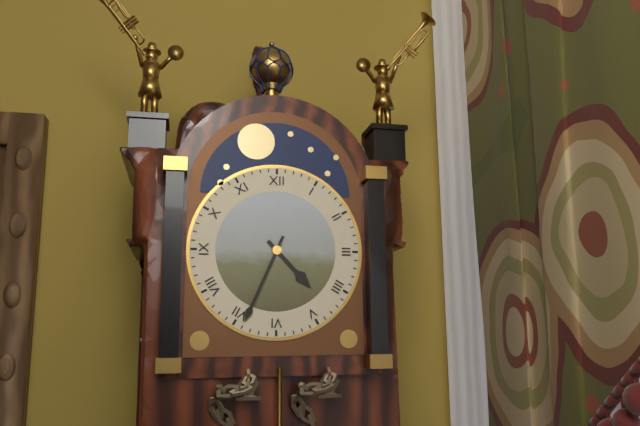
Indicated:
4,34
